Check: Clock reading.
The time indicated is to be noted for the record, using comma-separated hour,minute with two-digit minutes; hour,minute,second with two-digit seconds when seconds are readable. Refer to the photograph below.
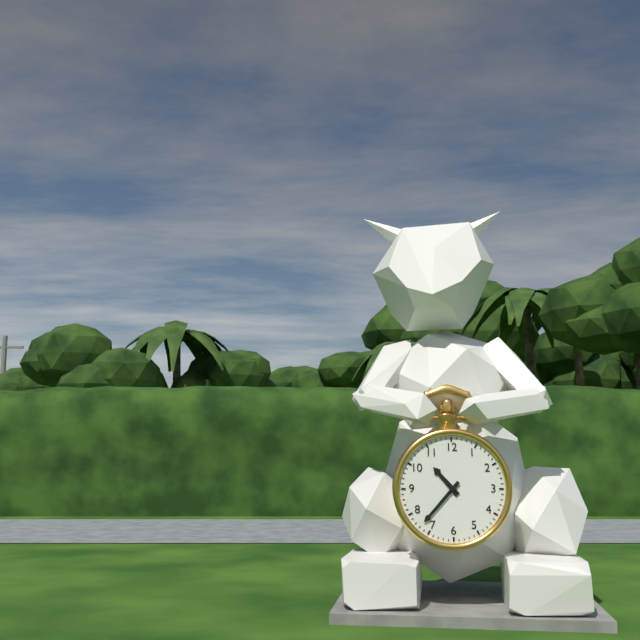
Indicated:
10,37
